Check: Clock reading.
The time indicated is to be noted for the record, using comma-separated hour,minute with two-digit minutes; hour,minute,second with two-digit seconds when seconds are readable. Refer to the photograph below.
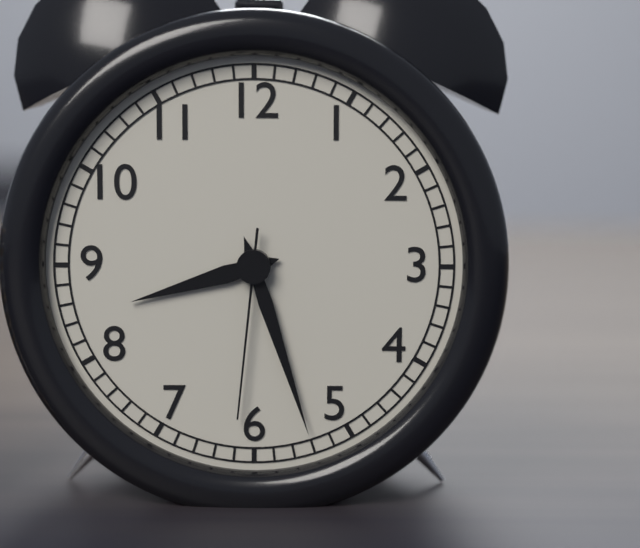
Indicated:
8,27,31
